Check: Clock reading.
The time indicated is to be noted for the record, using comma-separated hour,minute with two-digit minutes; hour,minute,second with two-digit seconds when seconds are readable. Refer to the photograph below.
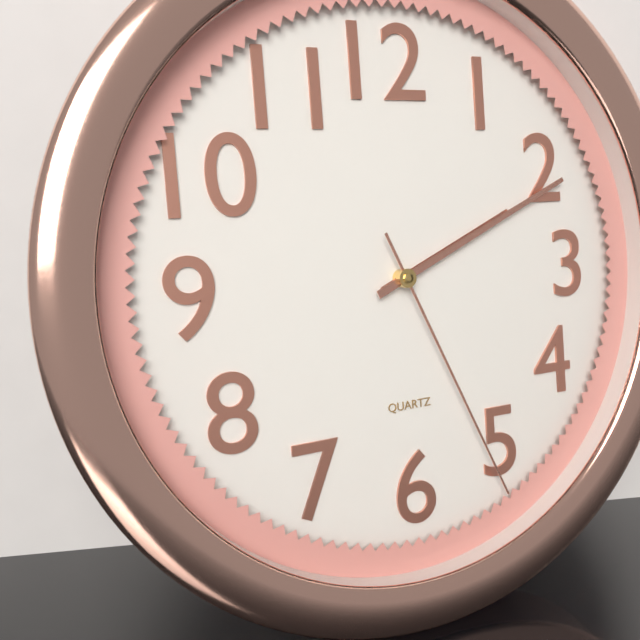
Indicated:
2,11,26
